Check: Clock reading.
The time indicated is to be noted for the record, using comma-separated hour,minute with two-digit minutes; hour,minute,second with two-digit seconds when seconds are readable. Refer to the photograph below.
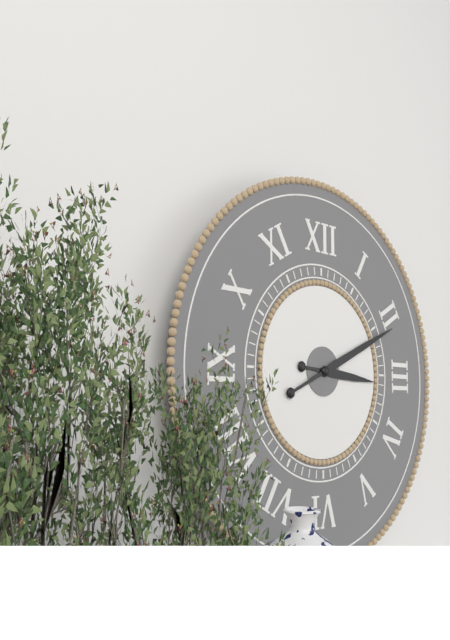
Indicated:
3,11
